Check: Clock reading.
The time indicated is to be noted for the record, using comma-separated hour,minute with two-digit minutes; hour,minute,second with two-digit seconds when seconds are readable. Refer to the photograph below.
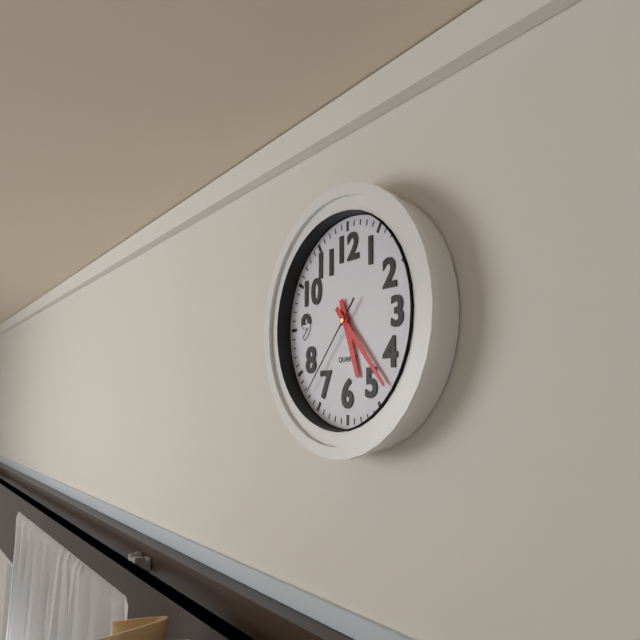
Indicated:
5,23,37
